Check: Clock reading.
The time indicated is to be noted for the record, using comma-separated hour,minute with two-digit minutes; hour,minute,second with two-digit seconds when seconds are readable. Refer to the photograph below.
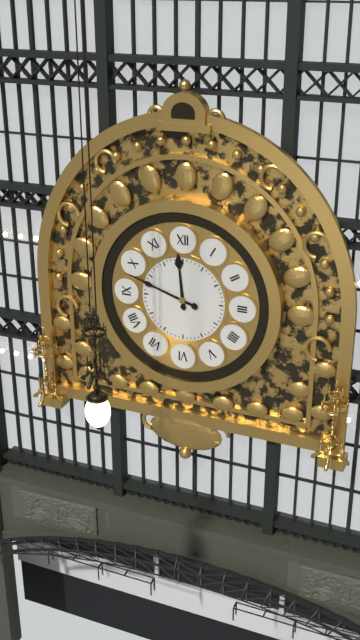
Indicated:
11,48
